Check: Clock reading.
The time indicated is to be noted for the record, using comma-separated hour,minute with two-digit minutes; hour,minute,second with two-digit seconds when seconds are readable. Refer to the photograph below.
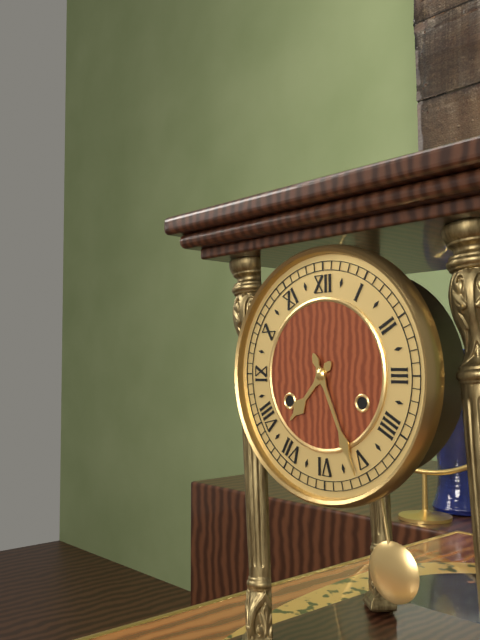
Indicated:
7,26
